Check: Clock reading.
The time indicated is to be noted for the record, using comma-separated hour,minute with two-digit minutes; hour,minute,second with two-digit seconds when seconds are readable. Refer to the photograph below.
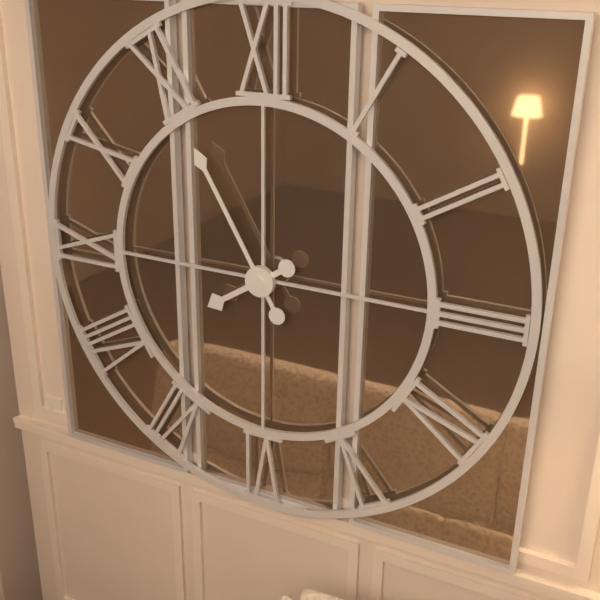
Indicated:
7,55
